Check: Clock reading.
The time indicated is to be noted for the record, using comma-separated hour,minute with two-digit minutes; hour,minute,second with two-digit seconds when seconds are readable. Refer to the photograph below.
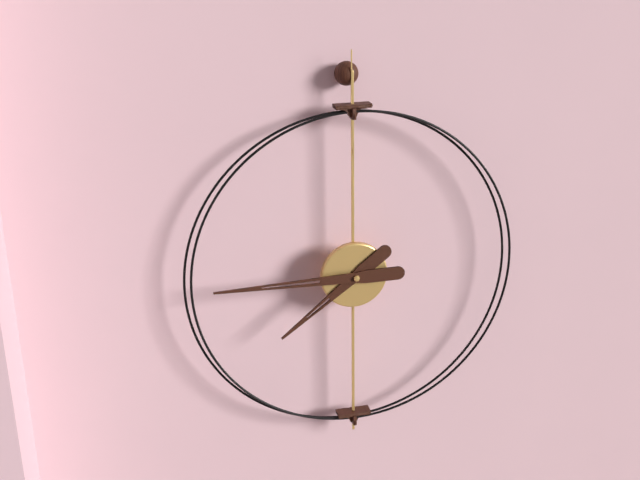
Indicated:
7,45
